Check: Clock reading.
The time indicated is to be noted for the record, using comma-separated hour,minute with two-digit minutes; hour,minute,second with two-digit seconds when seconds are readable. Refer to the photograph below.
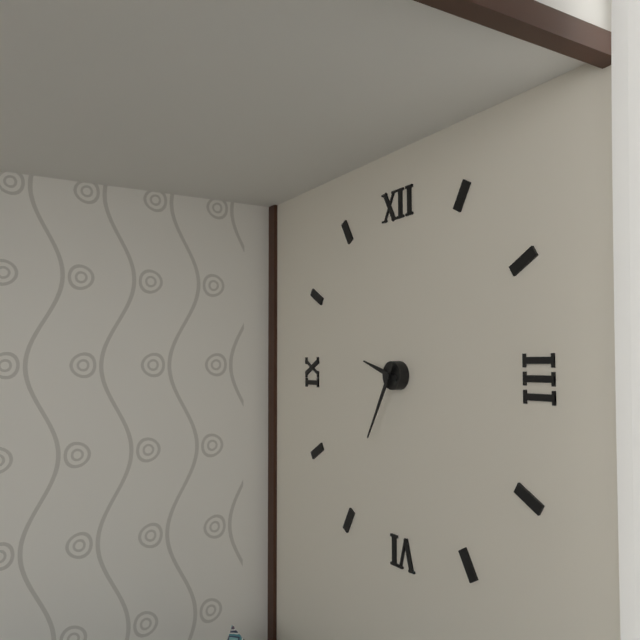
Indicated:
9,35
